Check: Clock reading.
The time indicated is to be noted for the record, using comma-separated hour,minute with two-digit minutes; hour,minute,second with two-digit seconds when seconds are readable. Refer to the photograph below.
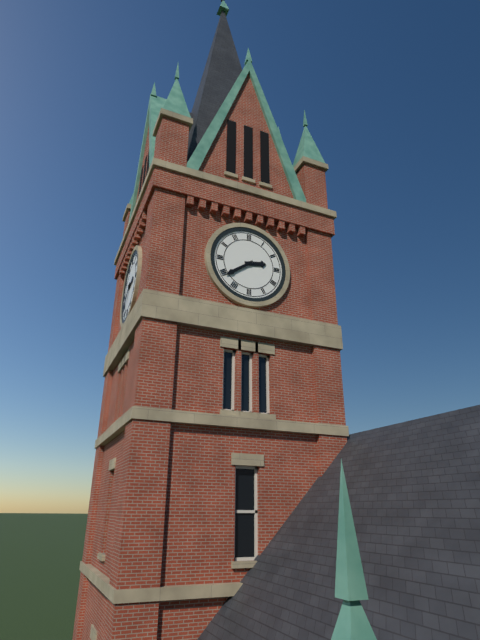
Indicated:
2,39
